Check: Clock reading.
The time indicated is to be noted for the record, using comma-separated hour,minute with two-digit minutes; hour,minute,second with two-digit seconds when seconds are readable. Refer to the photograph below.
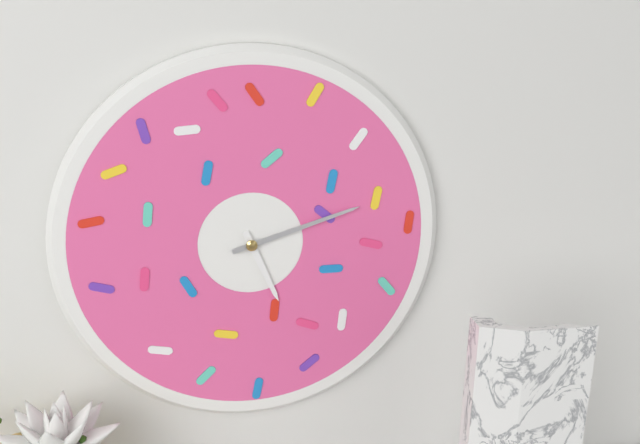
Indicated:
5,12
